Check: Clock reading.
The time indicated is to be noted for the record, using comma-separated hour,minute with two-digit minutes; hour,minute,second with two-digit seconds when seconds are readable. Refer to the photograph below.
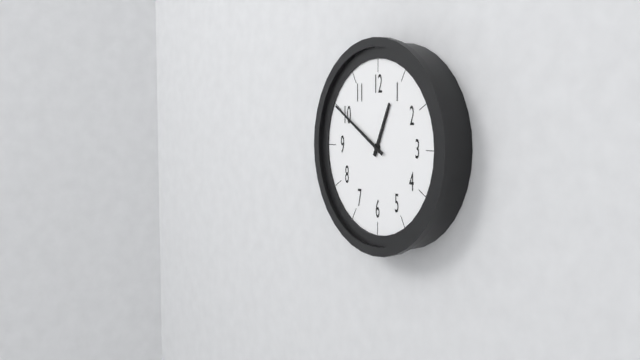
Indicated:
12,50
